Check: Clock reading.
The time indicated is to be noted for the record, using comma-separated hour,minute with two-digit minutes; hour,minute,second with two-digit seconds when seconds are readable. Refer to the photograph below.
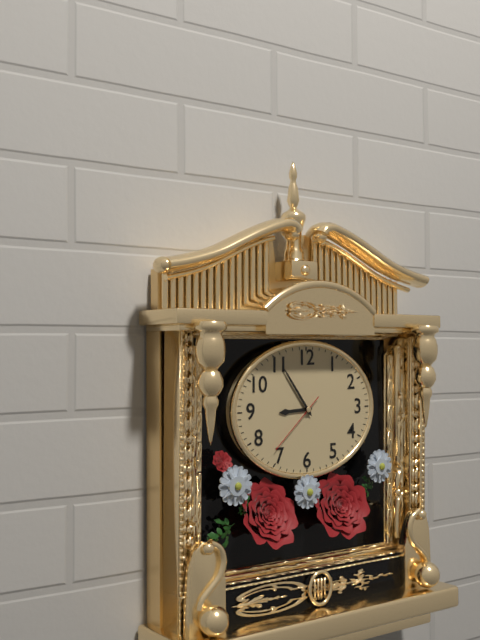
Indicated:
8,54,38
